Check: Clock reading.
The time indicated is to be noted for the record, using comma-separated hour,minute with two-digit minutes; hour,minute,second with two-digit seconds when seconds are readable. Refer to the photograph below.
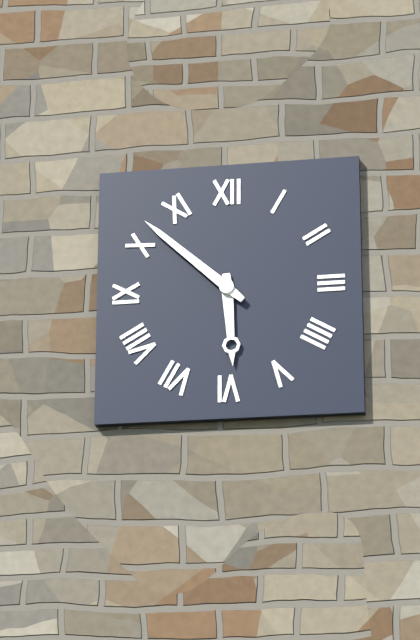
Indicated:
5,52
